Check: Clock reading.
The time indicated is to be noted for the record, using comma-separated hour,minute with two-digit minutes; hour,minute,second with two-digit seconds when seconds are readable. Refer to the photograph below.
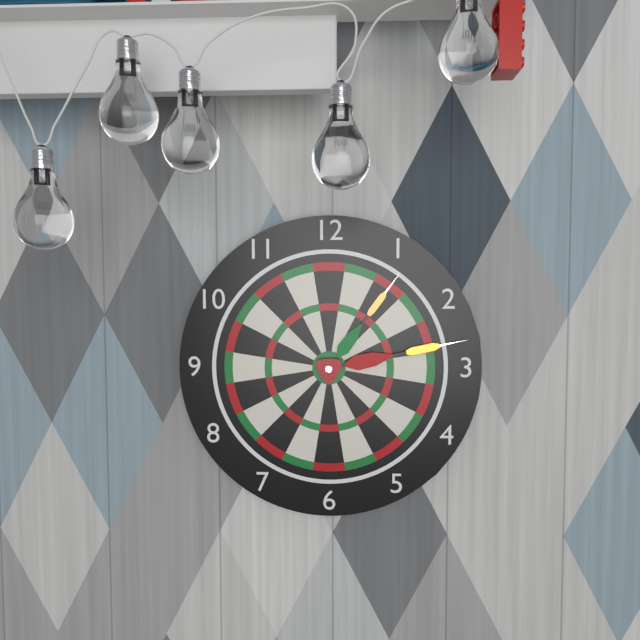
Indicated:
1,13
